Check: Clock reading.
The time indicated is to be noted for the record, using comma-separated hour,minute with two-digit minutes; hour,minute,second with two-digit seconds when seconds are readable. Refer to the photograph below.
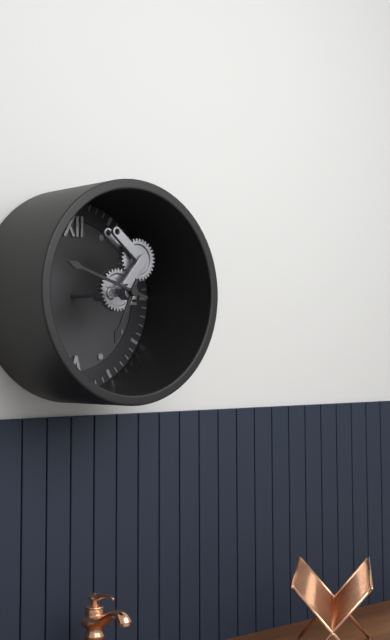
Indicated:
6,48
